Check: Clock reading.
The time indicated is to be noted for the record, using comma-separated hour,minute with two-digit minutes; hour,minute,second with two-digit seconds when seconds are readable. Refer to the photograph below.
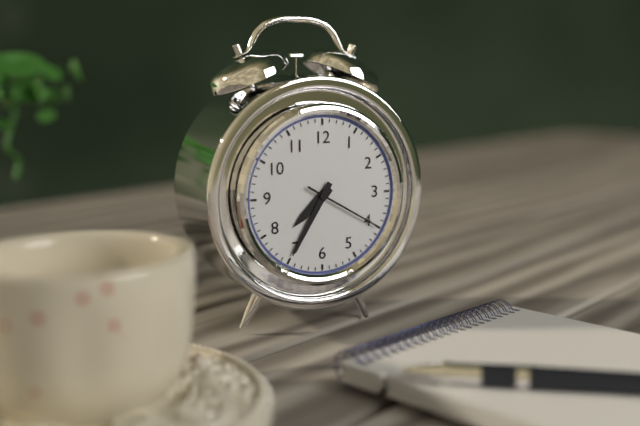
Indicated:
7,35,20
